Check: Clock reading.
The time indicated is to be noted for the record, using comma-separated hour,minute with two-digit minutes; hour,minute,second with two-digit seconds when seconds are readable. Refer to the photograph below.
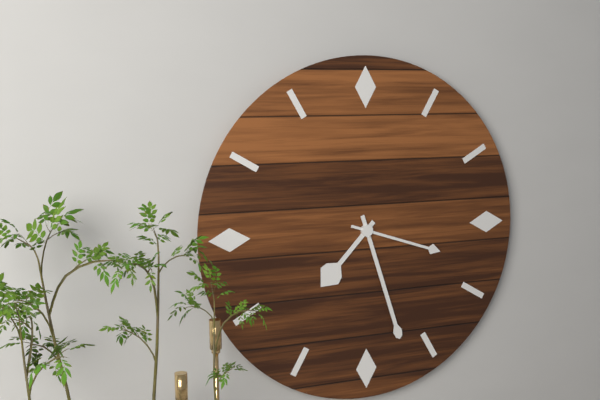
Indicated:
7,27,18
